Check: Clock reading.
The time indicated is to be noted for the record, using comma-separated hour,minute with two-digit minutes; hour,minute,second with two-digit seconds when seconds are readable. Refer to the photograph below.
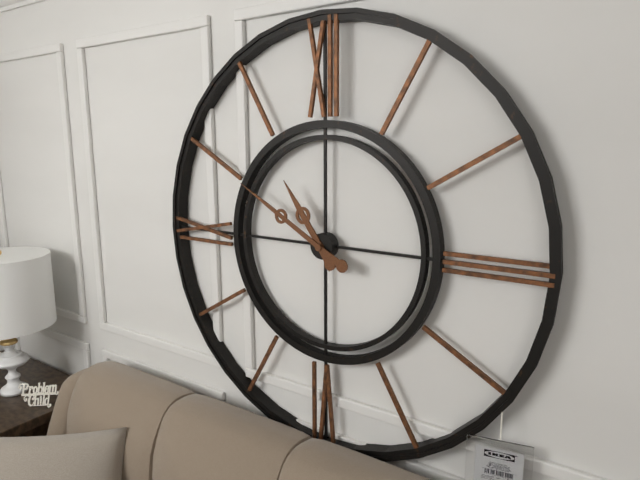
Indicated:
10,50
